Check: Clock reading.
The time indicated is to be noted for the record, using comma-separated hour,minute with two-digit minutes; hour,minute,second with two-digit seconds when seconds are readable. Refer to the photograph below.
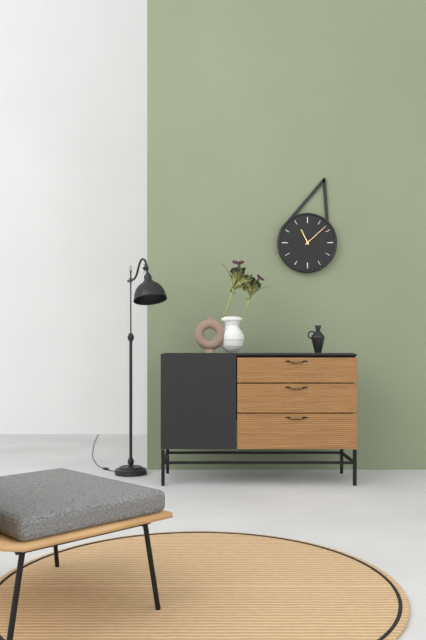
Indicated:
11,08
